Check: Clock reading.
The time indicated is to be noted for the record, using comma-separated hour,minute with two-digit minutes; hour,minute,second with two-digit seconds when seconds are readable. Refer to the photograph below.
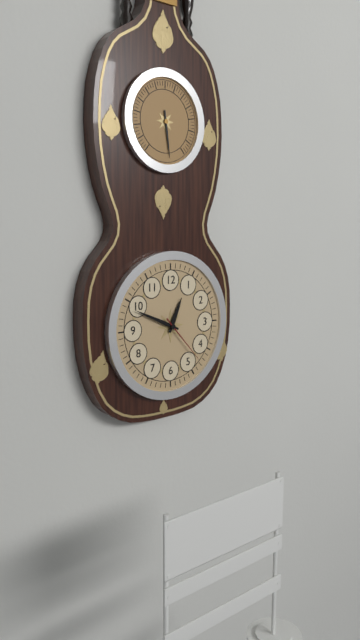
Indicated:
12,49,23
